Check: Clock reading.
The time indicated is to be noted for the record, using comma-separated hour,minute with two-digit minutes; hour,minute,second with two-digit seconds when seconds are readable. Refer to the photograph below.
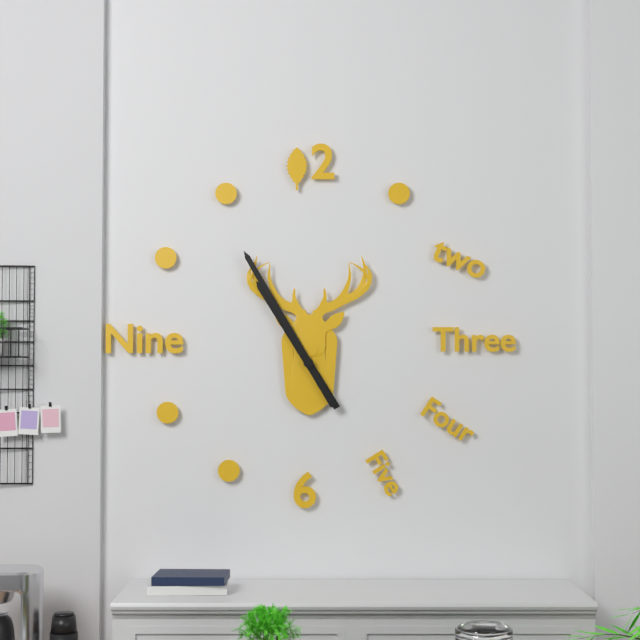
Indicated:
10,55
